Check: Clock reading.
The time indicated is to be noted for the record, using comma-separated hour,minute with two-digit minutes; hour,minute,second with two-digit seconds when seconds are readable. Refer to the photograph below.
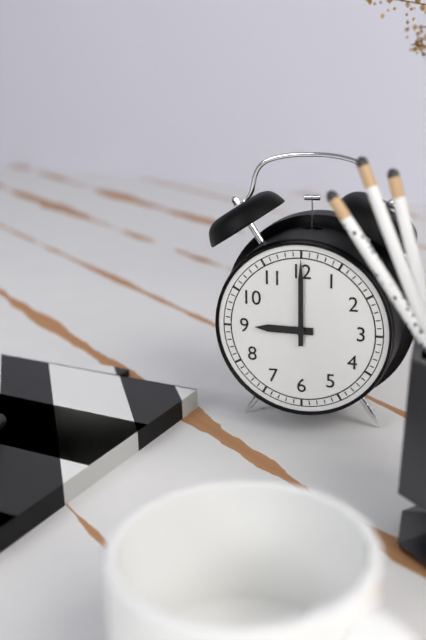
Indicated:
9,00
